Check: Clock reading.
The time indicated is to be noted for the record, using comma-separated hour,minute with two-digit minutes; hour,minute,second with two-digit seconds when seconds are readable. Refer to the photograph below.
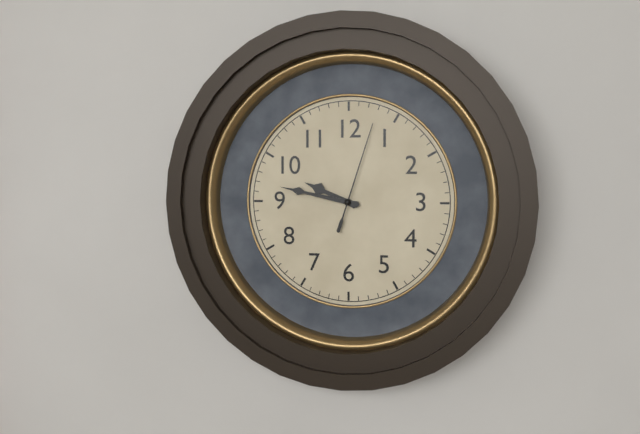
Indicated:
9,47,03
